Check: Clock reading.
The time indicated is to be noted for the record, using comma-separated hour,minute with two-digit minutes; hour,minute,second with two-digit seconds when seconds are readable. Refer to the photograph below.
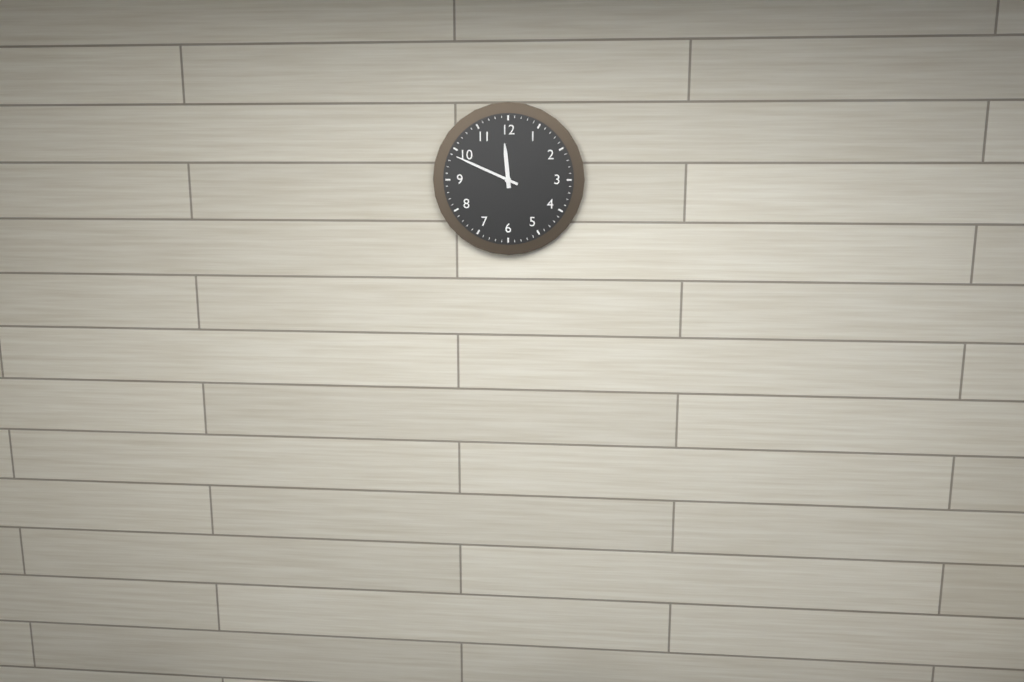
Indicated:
11,49
